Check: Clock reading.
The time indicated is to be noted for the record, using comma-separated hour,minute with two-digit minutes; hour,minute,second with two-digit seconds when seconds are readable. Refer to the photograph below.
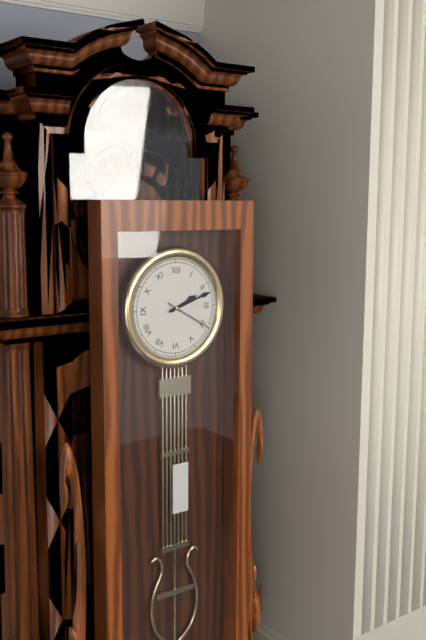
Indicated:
2,12
